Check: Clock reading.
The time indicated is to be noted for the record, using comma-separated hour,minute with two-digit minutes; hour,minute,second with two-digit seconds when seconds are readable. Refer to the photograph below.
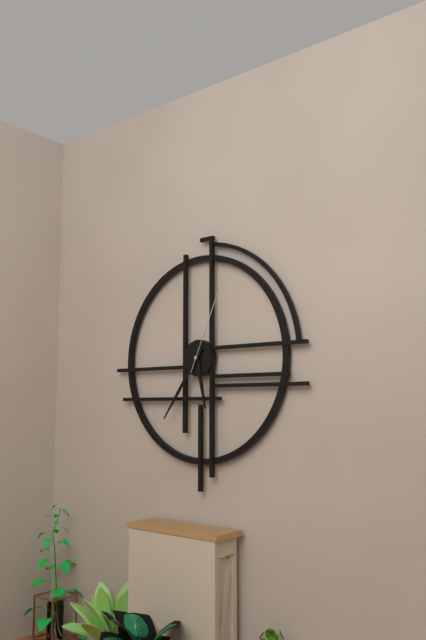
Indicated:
5,36,04
